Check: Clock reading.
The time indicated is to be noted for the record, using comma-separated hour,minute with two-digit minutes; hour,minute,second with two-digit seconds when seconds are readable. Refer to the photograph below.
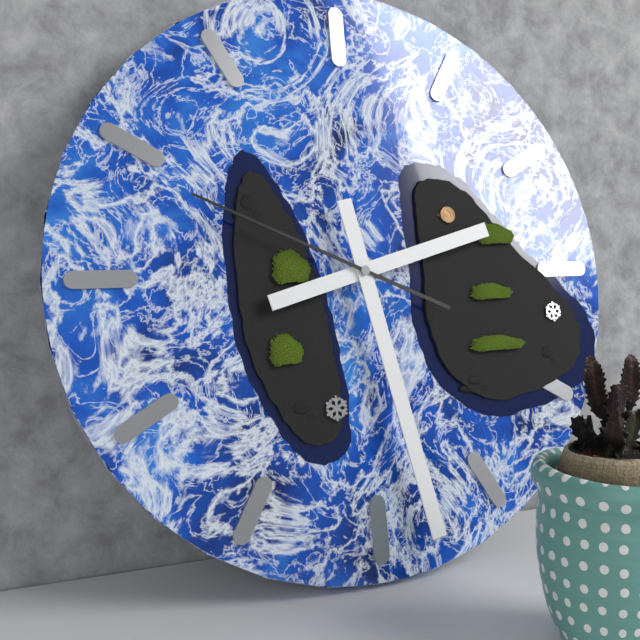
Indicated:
2,28,49
